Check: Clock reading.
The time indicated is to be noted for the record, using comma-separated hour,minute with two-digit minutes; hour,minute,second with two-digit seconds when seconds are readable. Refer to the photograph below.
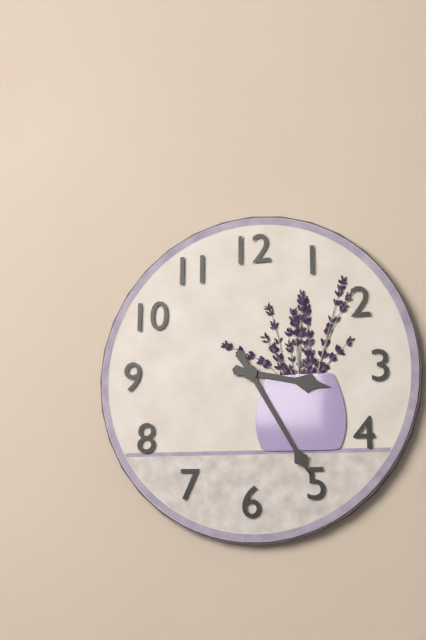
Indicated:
3,25
